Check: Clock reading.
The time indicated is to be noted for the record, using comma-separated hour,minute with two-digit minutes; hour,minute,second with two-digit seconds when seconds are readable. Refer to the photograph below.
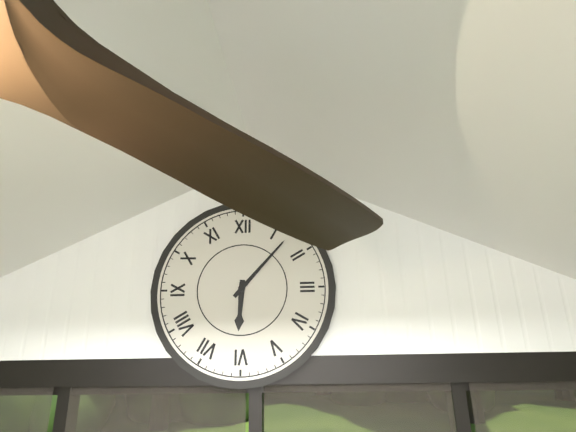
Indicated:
6,07
